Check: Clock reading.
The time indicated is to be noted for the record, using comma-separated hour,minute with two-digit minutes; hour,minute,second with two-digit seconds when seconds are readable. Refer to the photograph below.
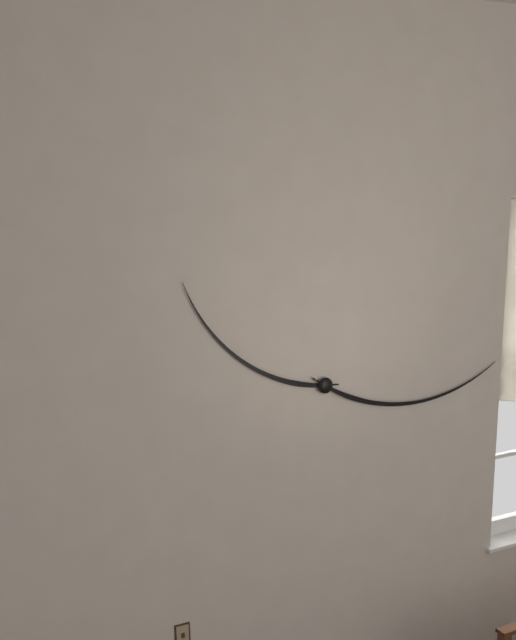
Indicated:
10,15
